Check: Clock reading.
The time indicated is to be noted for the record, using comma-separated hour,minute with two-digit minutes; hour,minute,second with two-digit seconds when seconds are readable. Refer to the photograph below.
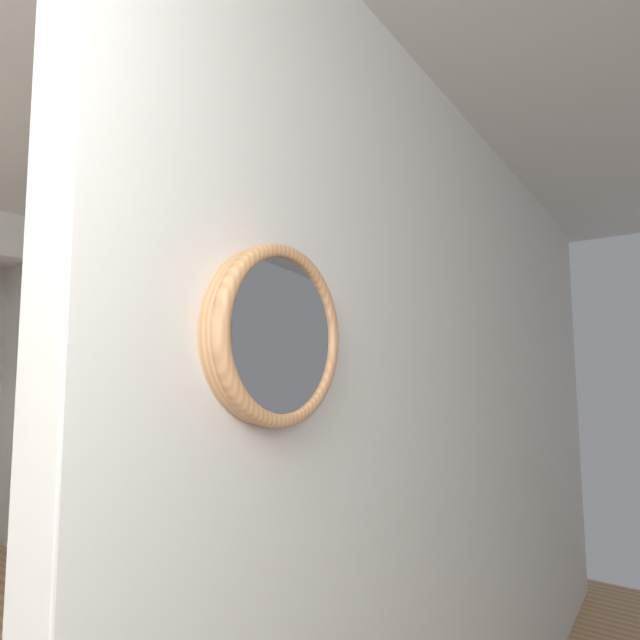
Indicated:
8,58
